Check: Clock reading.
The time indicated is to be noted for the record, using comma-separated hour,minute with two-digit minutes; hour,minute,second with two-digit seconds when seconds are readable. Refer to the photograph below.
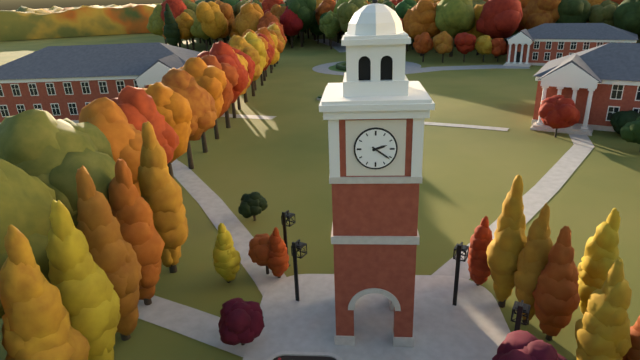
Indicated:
2,21
